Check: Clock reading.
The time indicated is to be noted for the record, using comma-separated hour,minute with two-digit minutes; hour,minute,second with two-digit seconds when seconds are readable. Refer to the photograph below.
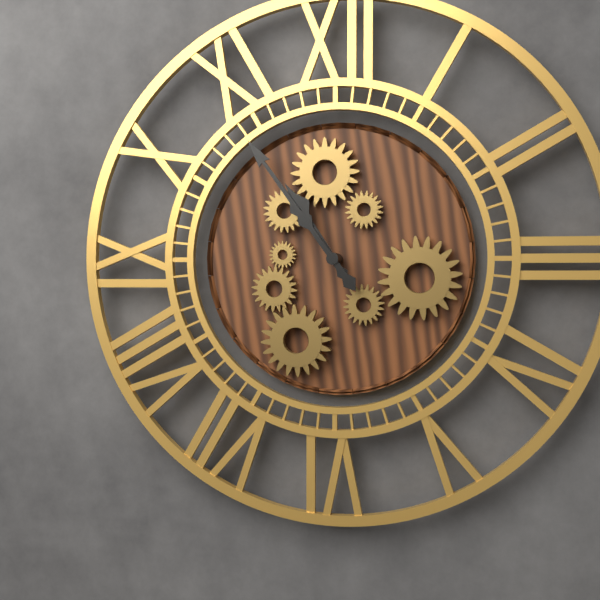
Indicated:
10,54
